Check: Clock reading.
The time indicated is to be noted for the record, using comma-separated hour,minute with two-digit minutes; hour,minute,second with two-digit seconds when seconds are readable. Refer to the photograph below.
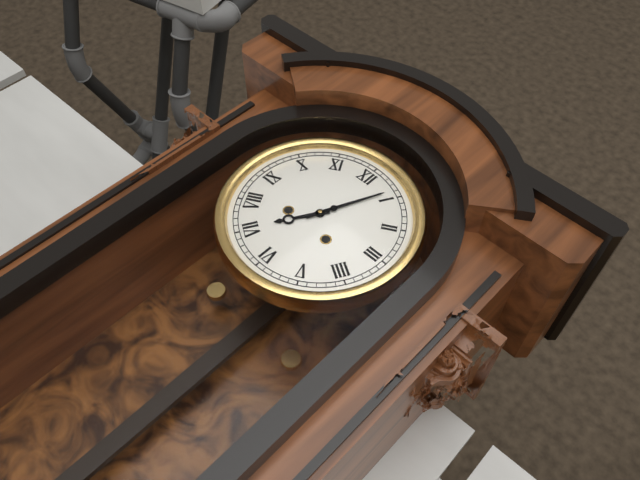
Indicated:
7,04
